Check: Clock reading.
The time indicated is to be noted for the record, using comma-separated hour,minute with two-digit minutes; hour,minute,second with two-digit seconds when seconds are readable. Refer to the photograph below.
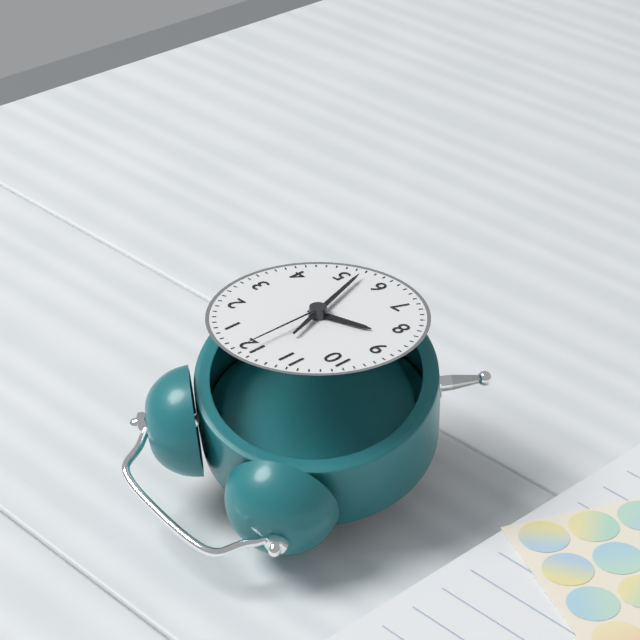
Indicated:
8,27,00
